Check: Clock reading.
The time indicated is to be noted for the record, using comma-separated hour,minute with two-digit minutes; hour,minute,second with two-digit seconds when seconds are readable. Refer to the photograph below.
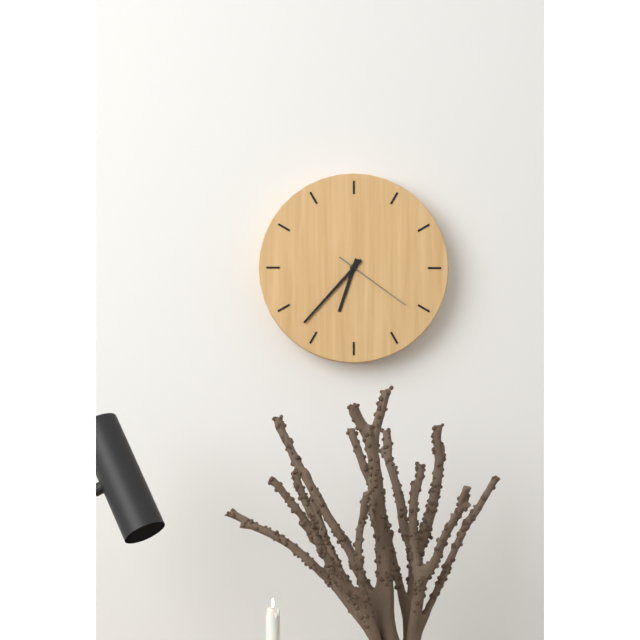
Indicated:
6,37,21
